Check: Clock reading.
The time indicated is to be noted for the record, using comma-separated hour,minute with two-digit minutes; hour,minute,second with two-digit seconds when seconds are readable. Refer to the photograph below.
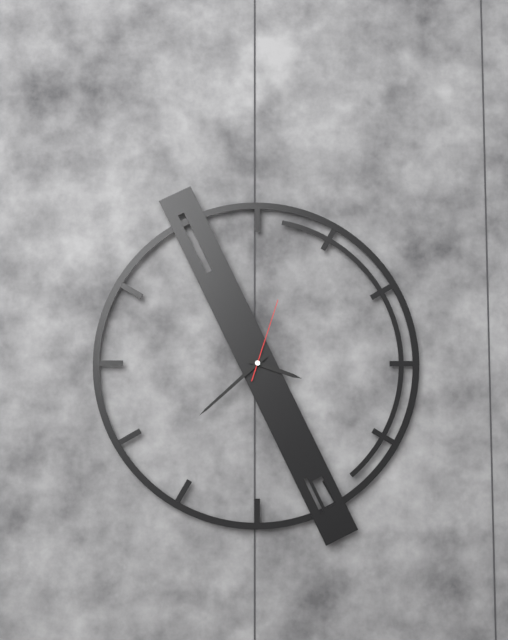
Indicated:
3,38,03
